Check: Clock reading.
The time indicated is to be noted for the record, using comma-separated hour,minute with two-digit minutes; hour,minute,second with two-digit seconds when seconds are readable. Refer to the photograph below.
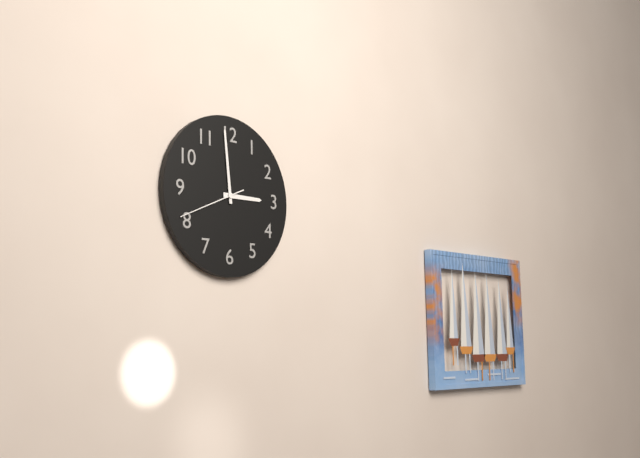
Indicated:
2,59,41
